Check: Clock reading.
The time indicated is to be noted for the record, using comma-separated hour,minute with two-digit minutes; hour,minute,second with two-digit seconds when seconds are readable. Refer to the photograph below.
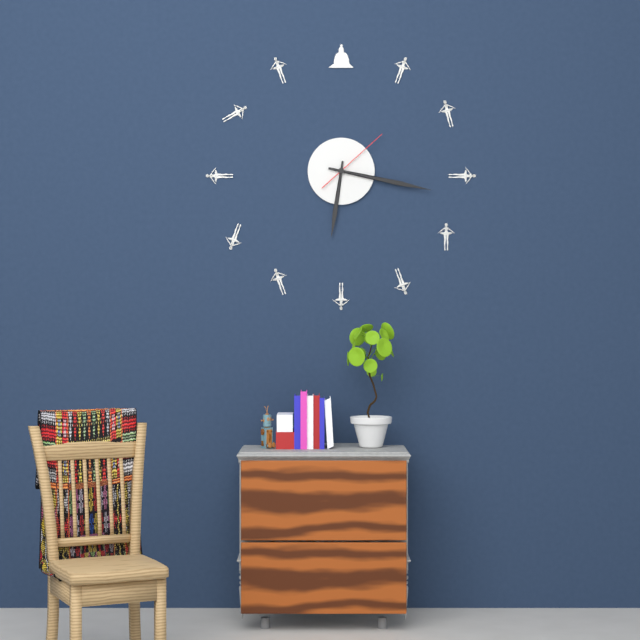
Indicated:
6,17,08
